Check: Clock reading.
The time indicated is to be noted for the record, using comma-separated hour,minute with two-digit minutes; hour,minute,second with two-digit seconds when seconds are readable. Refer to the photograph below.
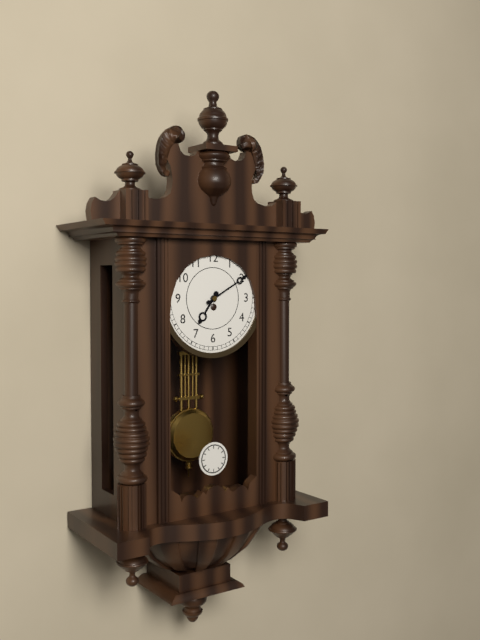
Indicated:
7,10
